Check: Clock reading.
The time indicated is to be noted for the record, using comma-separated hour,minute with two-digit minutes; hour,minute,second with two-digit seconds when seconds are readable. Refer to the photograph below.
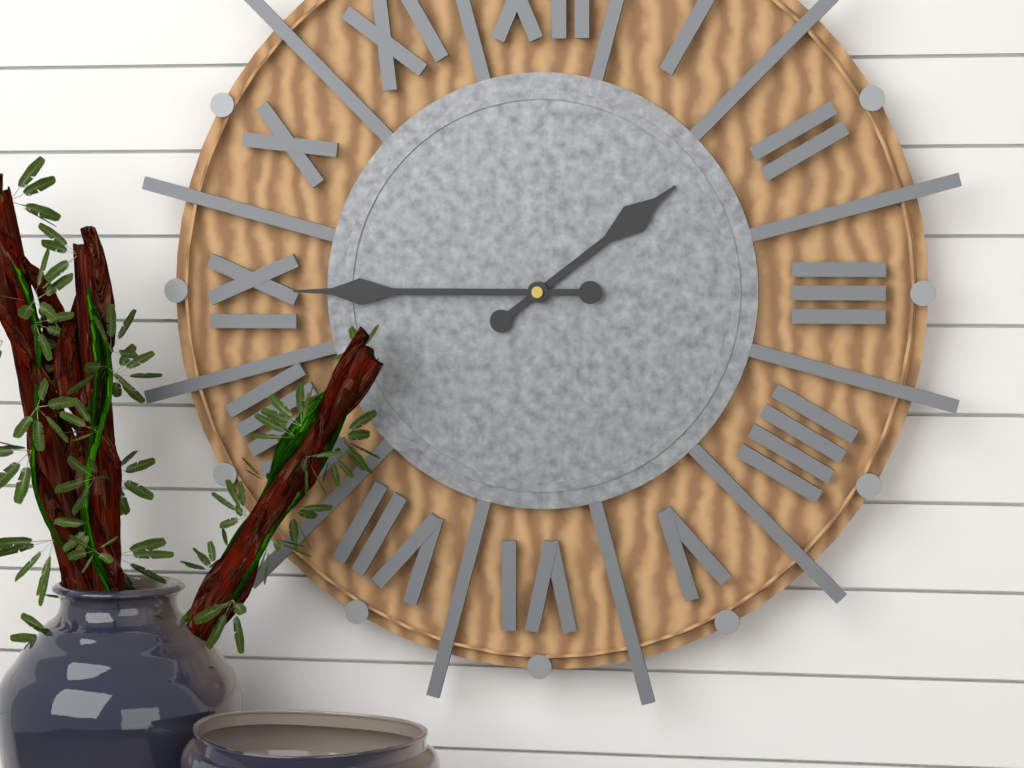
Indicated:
1,45
